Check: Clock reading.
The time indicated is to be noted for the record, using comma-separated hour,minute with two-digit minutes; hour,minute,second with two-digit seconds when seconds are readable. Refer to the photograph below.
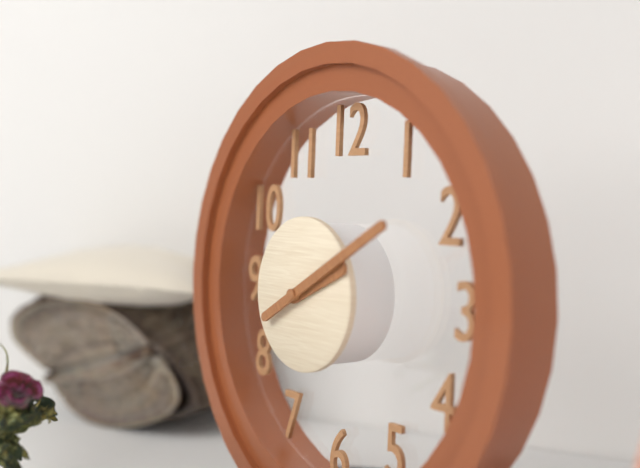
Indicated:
2,10
